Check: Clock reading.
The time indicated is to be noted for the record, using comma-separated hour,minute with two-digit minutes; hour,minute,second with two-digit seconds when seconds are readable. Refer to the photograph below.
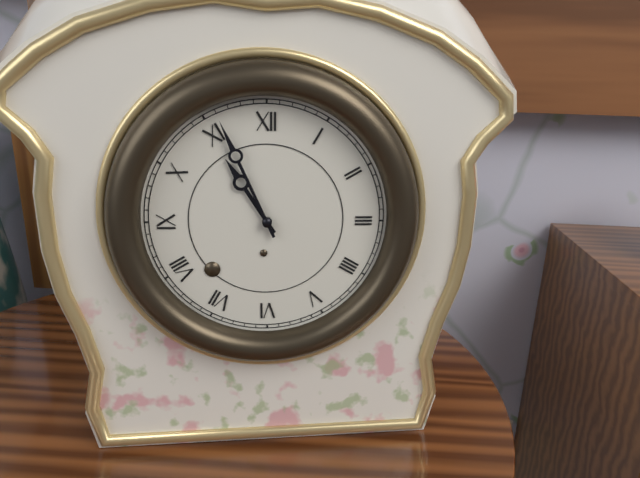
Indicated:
10,56
